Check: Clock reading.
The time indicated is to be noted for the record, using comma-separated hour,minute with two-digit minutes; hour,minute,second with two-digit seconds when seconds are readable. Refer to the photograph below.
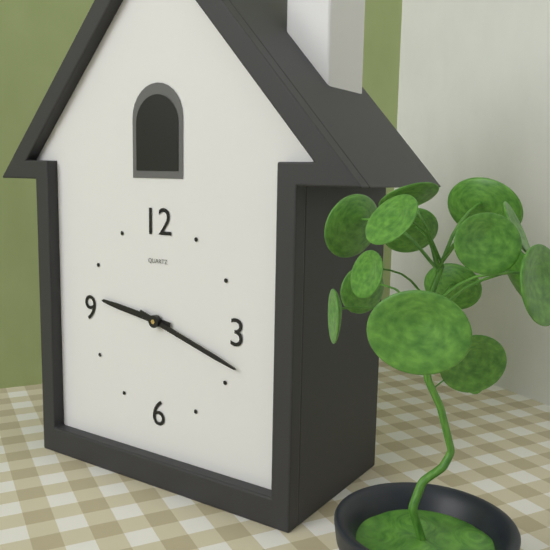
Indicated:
9,18
